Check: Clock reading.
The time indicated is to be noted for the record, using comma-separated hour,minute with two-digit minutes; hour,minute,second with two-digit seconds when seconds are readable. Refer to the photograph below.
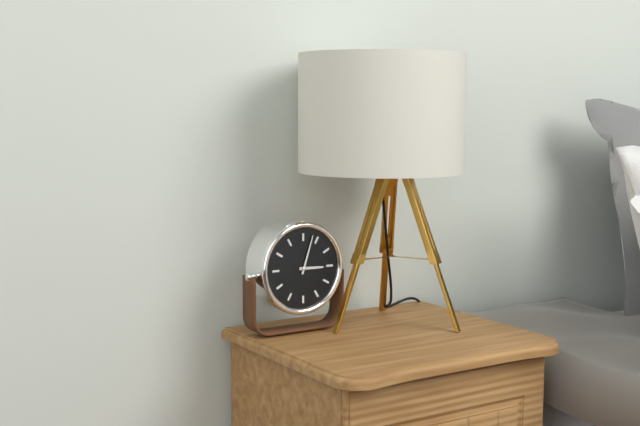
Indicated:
3,03
